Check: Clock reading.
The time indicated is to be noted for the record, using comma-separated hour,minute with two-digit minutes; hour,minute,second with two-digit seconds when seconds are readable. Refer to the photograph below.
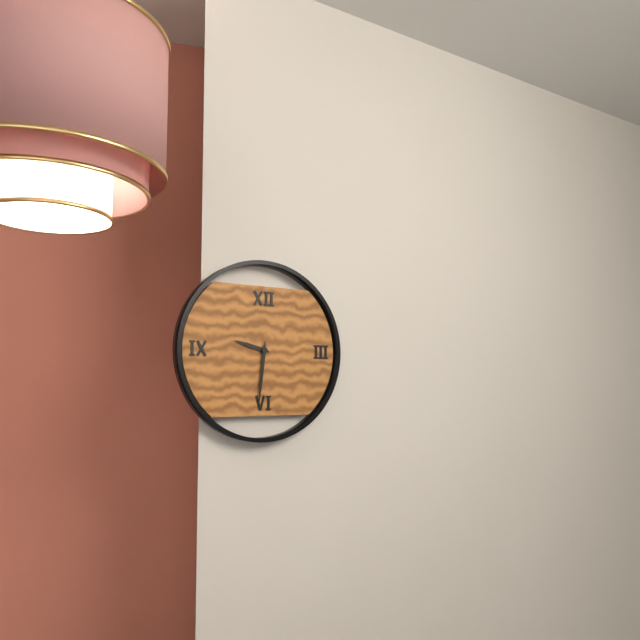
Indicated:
9,31
